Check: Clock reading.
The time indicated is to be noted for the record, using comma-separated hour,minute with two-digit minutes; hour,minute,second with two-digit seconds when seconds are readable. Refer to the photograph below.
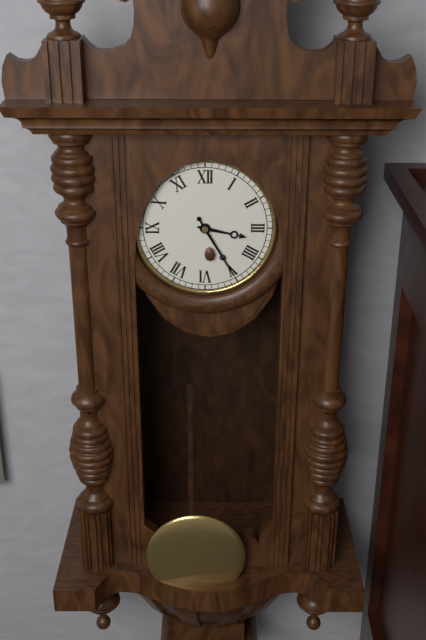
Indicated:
3,25
